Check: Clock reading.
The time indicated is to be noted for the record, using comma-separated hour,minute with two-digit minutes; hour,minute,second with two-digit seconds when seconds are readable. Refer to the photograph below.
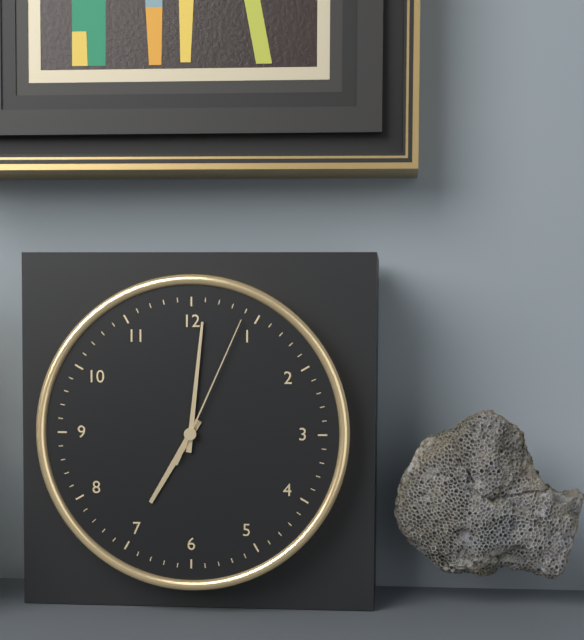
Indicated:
7,01,04
